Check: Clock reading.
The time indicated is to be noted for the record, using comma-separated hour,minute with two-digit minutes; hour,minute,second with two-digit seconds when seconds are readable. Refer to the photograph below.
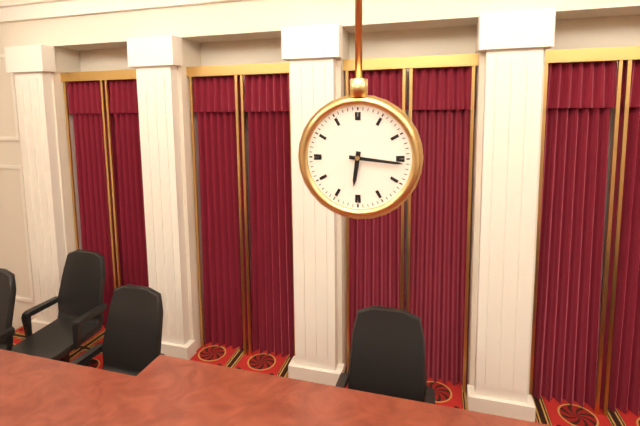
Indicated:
6,16
